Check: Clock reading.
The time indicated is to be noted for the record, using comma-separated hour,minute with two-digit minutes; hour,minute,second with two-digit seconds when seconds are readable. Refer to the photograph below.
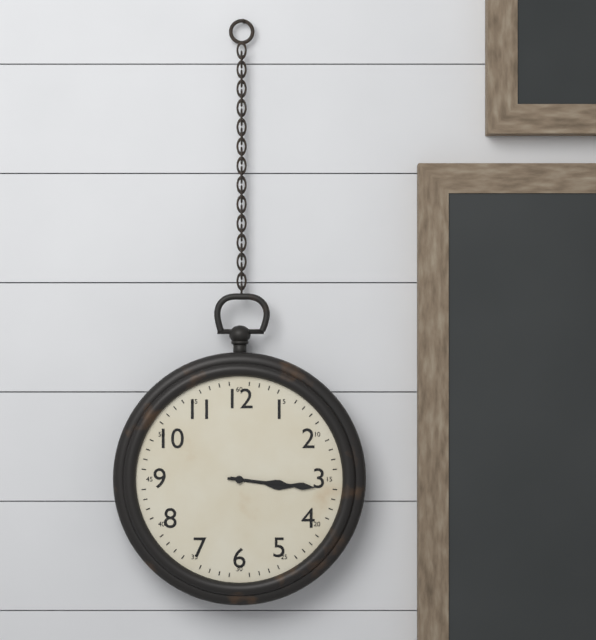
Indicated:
3,16
